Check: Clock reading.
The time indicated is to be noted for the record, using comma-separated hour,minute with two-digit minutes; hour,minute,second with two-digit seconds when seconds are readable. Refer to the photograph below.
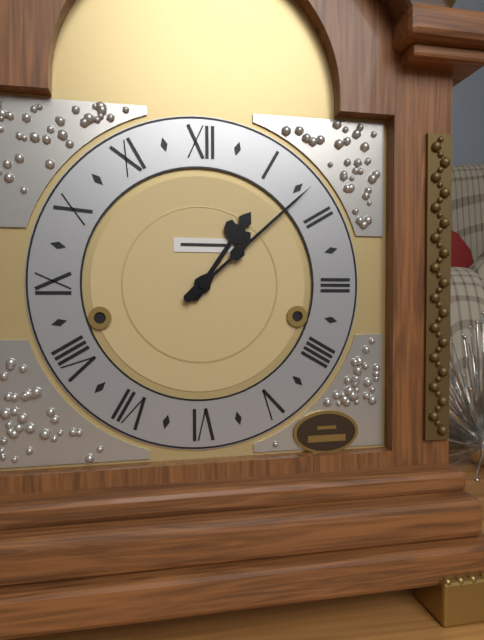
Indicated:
1,08
